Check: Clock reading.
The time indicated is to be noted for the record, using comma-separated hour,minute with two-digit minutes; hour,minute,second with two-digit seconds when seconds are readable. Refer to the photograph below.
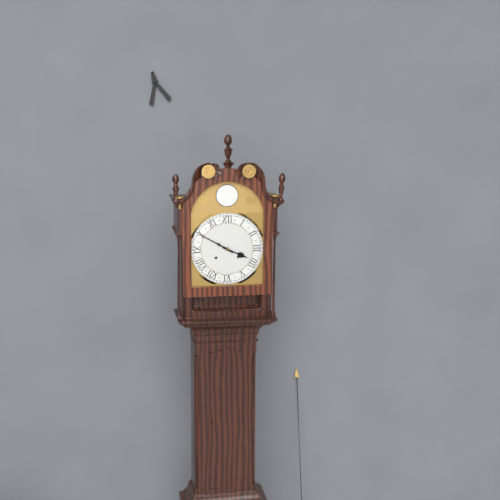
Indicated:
3,50
